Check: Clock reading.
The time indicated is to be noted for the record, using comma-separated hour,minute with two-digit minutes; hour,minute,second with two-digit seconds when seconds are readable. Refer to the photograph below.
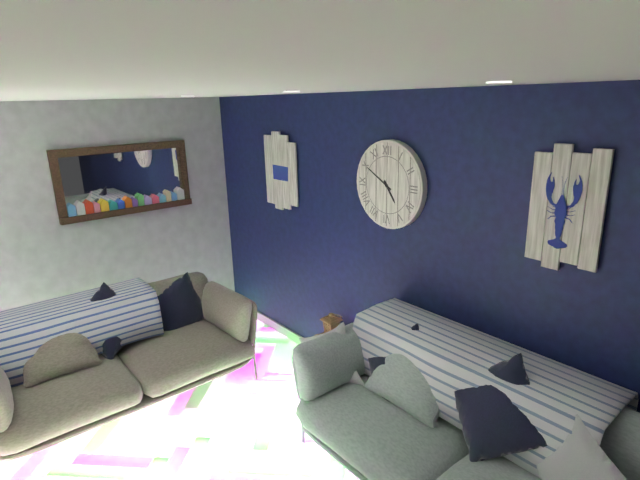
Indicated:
4,50
